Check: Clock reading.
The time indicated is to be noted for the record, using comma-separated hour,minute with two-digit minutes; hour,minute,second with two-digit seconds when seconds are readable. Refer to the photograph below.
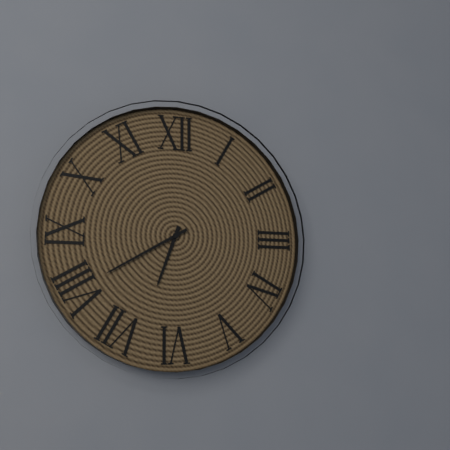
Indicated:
6,40
